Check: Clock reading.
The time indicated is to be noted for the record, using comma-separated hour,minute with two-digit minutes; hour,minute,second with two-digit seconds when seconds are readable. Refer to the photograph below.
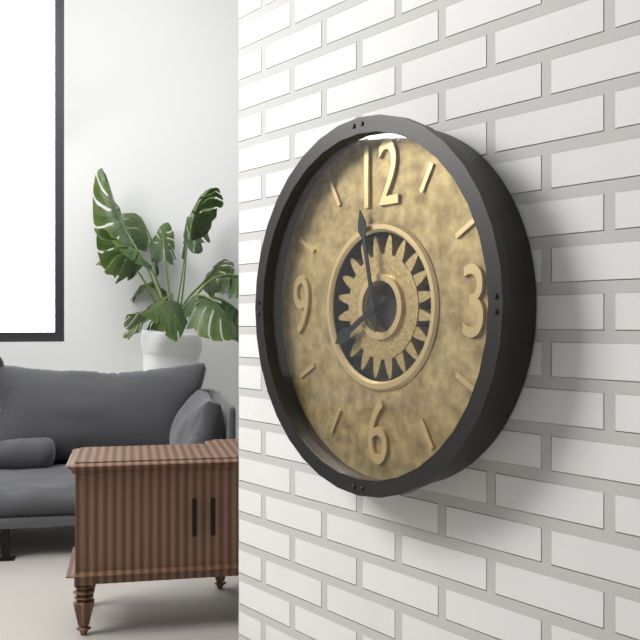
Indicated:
7,58
